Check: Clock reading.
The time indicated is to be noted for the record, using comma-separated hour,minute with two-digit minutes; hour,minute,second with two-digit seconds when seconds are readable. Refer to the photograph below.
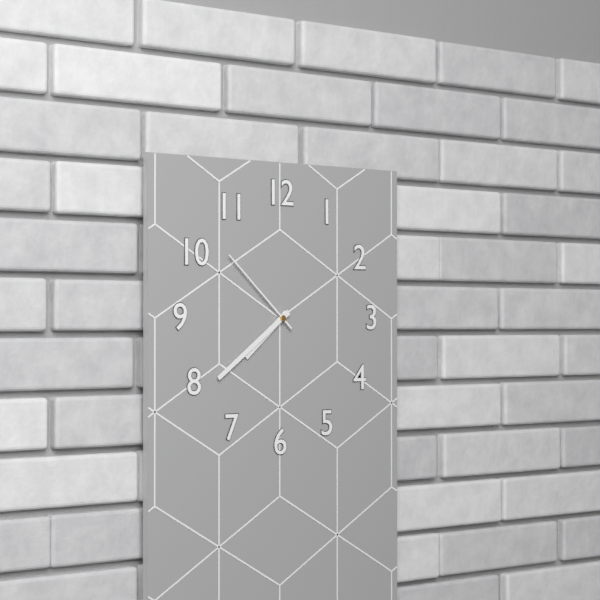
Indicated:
7,39,52
